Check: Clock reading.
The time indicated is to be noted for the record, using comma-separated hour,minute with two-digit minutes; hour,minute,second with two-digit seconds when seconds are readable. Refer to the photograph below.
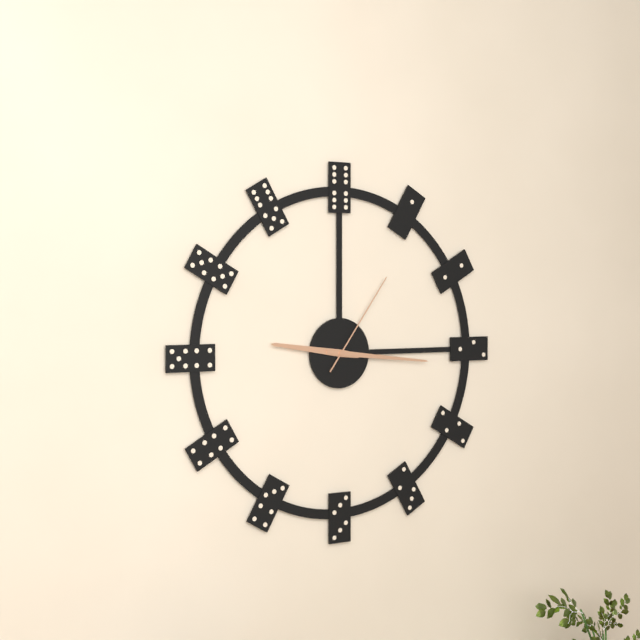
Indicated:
9,16,06
